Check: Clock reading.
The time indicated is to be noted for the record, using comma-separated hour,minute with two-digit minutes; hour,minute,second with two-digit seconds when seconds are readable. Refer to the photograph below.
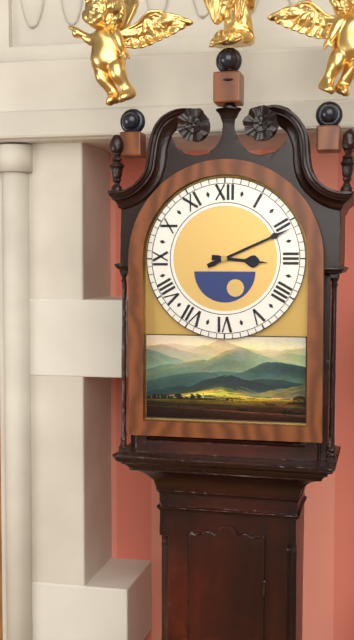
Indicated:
3,11
